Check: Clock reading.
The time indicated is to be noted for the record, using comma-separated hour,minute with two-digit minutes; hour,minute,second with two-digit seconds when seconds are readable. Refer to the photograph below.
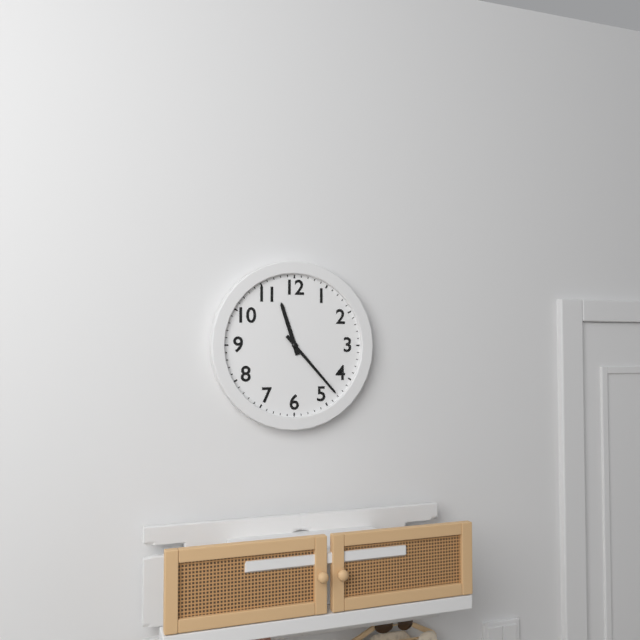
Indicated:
11,23
